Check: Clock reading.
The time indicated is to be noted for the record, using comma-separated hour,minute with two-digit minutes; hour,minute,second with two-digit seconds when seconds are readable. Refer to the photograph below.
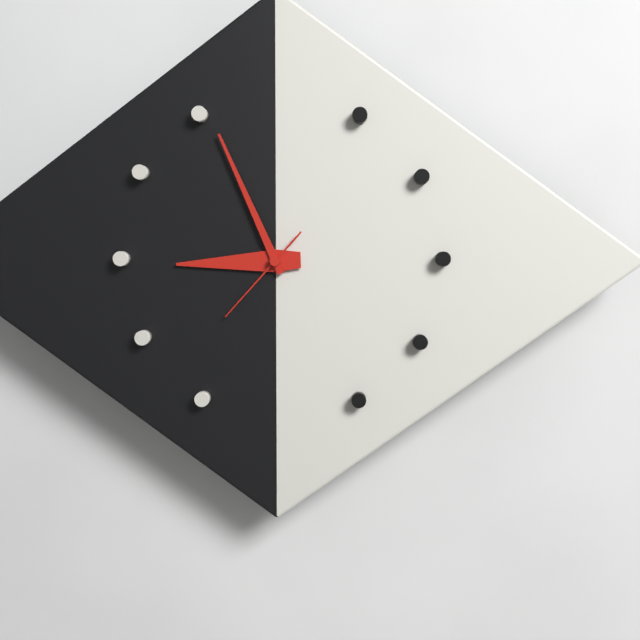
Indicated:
8,56,37
